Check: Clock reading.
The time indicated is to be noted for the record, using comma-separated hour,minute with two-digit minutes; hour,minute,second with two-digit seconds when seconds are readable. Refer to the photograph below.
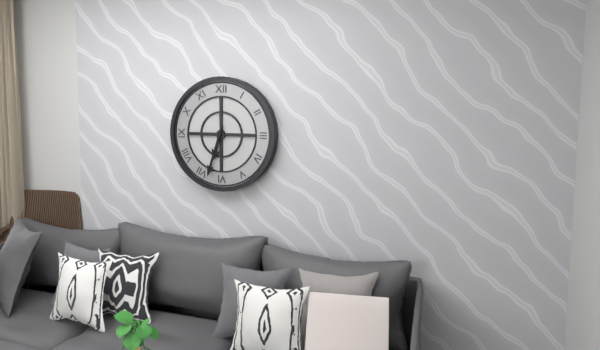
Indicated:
6,33
